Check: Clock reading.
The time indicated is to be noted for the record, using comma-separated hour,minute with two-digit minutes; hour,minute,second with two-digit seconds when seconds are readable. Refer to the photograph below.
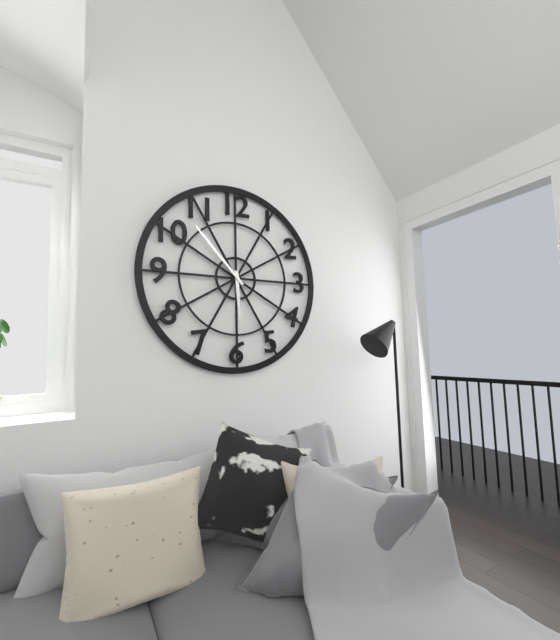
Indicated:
5,53
